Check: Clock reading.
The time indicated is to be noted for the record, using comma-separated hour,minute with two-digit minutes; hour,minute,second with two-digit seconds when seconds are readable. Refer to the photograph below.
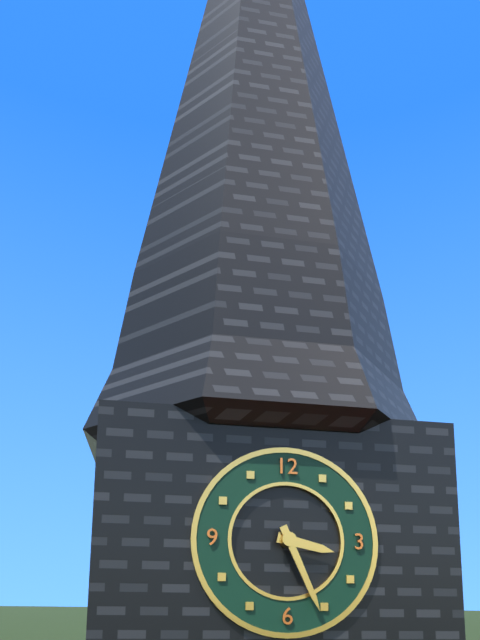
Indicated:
3,26
